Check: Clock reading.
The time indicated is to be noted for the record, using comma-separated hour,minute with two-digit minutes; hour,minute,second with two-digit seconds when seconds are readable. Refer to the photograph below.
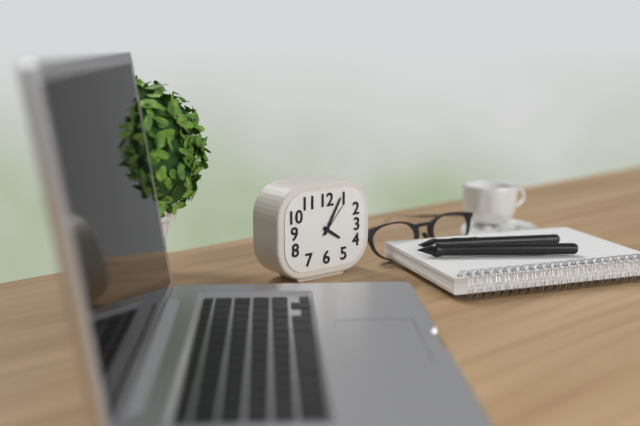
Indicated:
4,05
